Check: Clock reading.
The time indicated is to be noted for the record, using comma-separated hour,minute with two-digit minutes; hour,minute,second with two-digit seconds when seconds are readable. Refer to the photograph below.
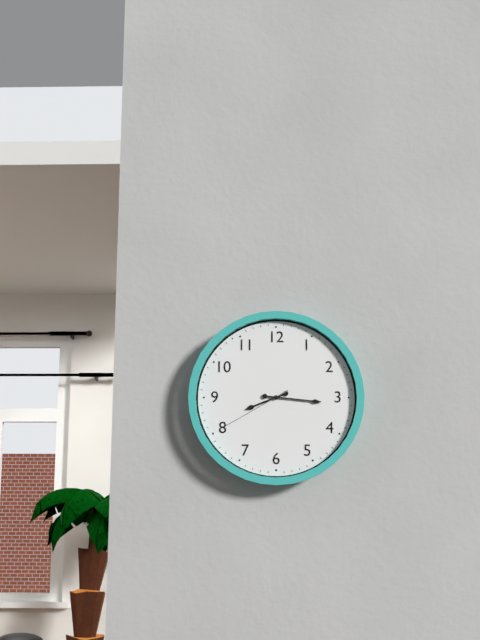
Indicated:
8,16,40
